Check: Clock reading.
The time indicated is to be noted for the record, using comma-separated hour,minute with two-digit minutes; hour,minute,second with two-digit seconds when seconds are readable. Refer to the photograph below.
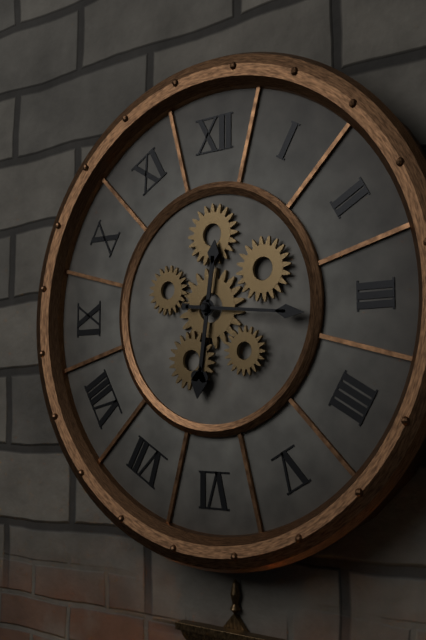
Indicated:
6,16
